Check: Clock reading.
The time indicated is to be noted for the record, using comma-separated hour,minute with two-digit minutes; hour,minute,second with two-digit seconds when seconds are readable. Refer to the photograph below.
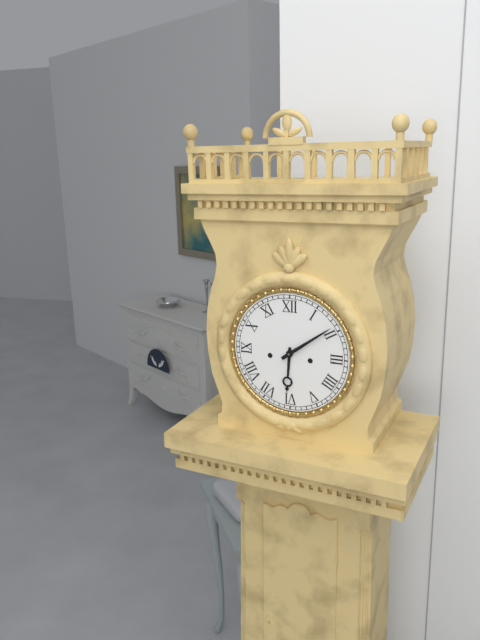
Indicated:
6,09
